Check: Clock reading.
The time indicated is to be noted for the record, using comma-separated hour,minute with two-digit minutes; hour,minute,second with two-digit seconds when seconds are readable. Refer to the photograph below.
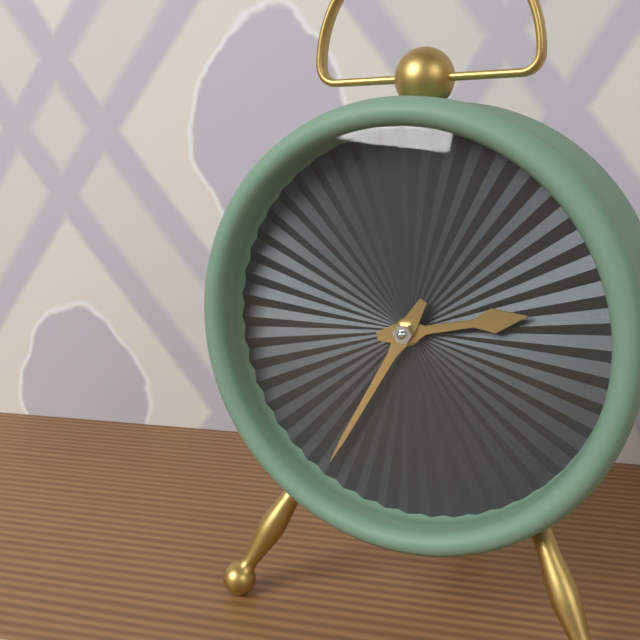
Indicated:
2,35
